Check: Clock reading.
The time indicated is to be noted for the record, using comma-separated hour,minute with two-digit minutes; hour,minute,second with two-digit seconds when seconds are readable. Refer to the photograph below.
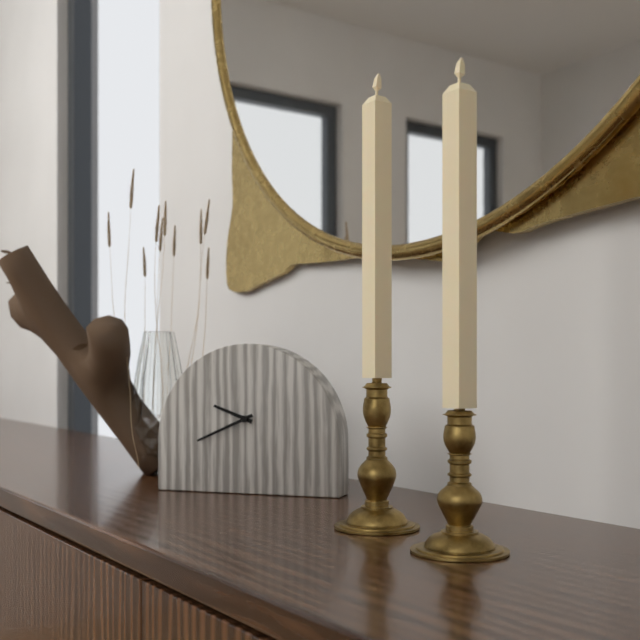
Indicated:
9,41
